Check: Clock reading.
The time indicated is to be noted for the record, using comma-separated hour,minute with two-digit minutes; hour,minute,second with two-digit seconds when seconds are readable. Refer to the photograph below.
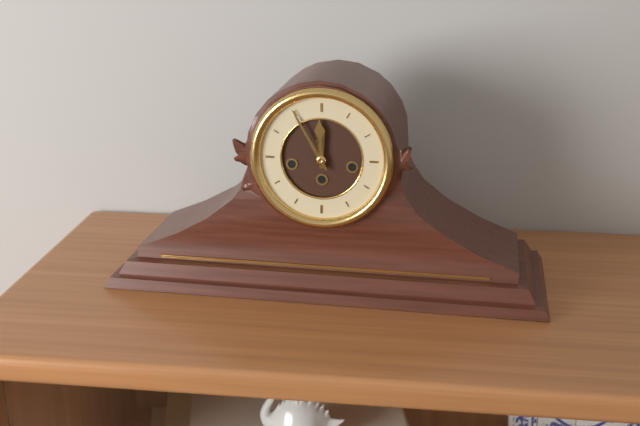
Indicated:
11,55
